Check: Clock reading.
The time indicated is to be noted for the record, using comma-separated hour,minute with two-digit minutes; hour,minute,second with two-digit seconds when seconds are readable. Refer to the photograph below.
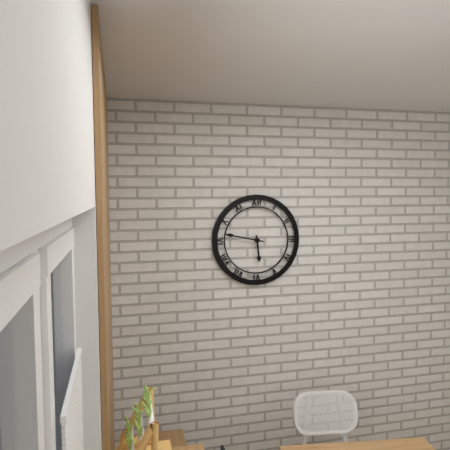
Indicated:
5,47
